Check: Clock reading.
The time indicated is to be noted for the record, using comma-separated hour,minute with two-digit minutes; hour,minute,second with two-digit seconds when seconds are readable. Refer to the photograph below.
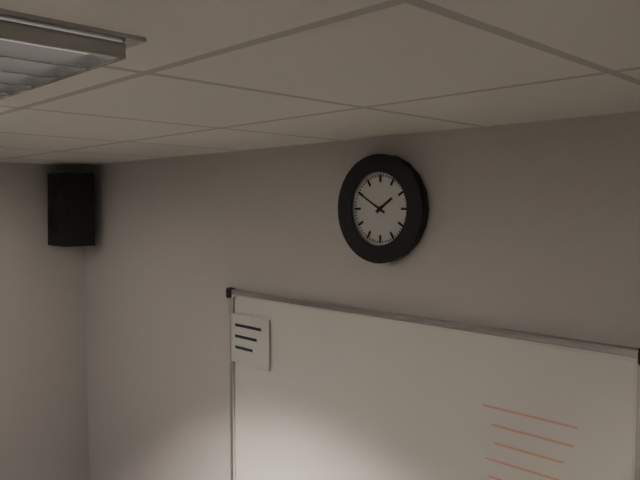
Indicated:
1,50
